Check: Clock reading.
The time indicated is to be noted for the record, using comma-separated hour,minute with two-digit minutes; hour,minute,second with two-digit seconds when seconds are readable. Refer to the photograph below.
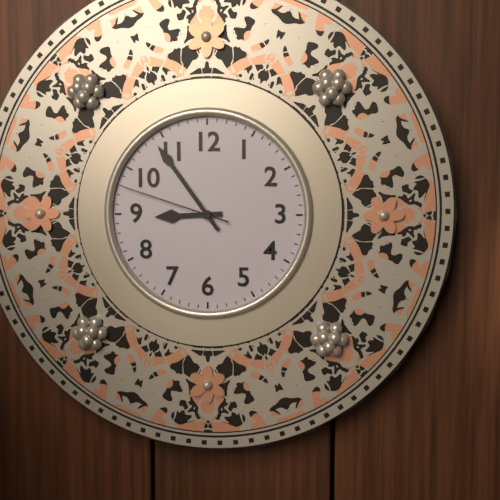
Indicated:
8,54,48
